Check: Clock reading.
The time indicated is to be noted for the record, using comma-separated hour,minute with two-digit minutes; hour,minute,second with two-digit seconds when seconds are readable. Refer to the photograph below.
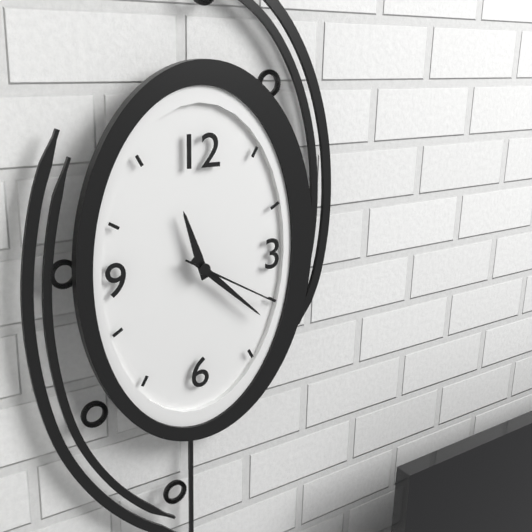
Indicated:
11,22,20
